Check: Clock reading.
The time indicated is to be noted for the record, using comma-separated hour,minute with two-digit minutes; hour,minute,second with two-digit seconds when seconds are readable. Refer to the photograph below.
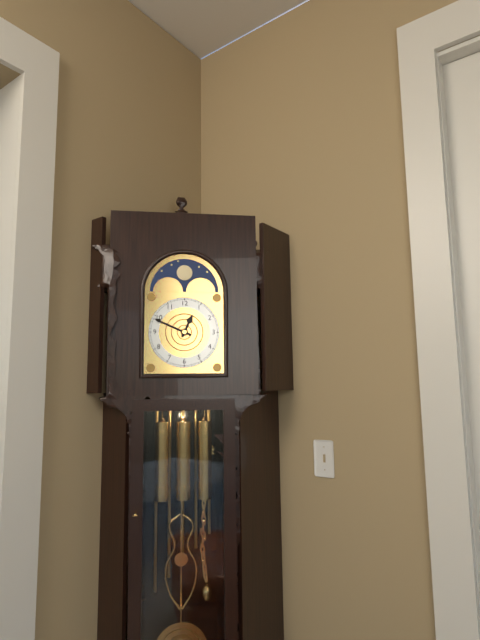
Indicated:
12,49
